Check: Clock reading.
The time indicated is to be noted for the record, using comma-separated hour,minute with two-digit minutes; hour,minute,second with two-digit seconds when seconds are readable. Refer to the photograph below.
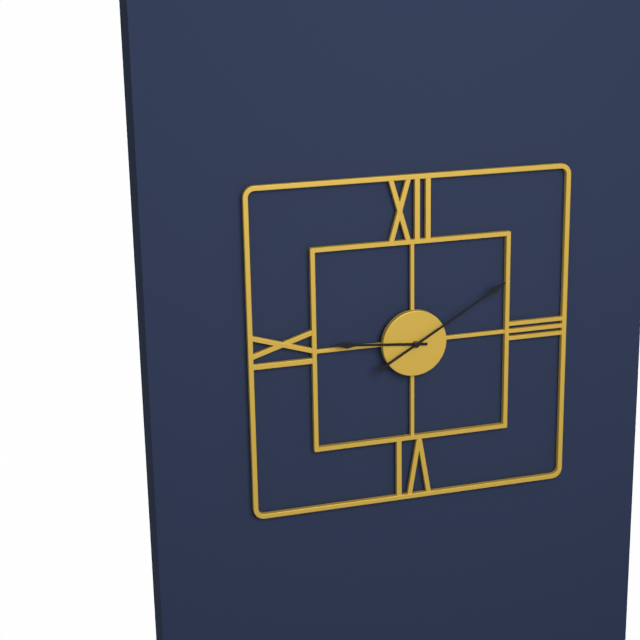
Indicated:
9,10
